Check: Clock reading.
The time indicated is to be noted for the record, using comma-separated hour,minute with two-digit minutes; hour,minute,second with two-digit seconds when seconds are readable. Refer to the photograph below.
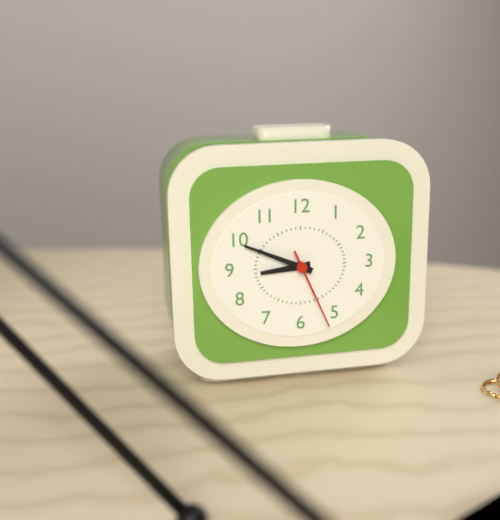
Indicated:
8,49,26
